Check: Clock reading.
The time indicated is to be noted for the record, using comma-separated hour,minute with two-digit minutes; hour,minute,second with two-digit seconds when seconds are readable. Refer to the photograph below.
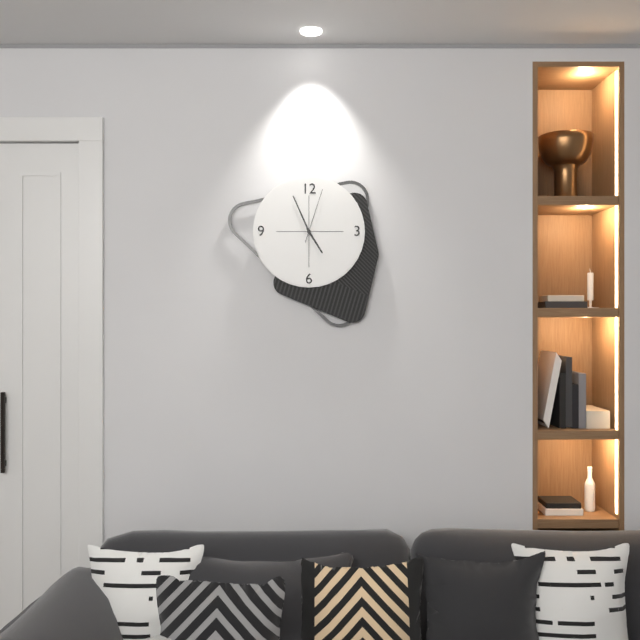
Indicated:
4,56,03
